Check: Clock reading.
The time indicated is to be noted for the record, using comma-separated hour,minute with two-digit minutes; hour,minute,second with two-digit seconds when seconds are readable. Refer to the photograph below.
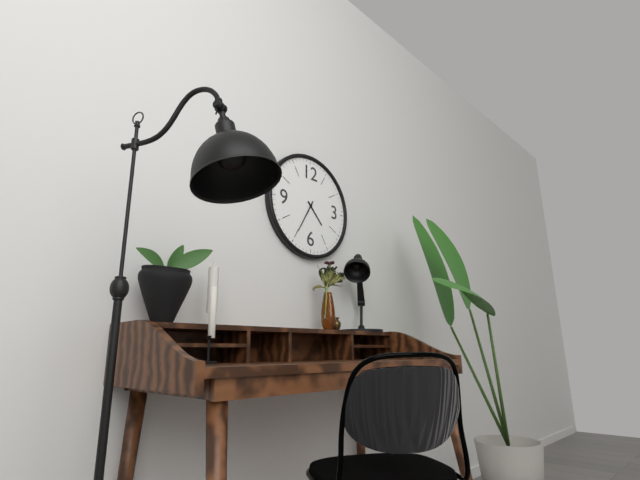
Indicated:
4,35
